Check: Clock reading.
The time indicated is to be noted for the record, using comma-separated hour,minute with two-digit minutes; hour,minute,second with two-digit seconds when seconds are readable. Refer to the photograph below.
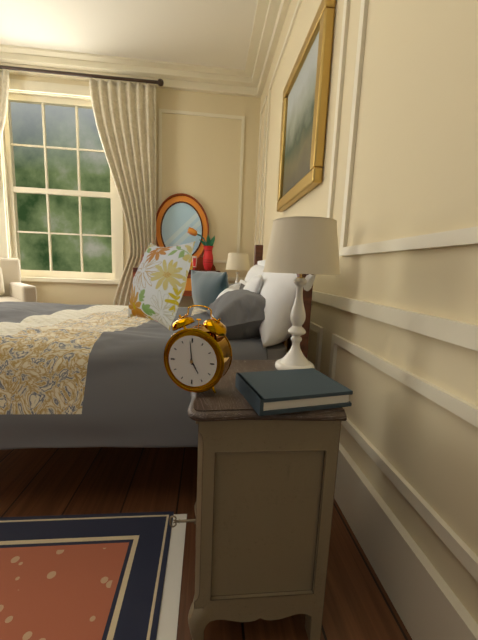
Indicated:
4,59
